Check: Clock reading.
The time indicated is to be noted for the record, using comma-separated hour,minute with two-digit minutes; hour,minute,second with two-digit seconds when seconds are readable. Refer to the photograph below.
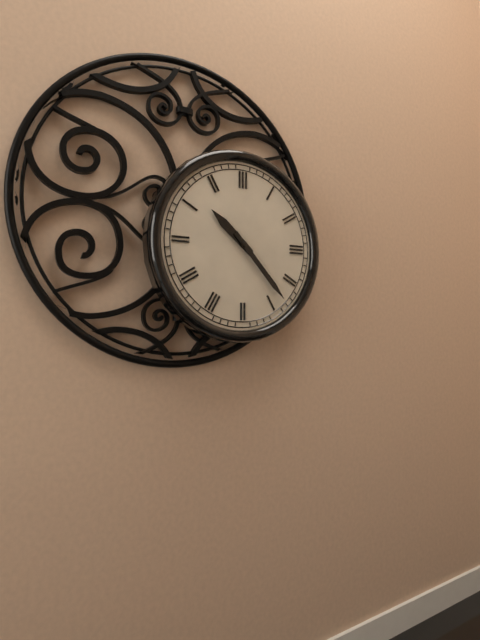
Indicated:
10,23
